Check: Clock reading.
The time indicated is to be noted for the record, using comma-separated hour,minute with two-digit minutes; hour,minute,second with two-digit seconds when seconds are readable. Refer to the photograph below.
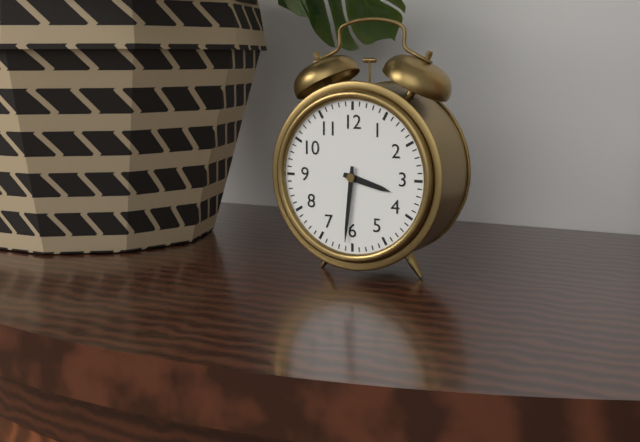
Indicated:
3,31
